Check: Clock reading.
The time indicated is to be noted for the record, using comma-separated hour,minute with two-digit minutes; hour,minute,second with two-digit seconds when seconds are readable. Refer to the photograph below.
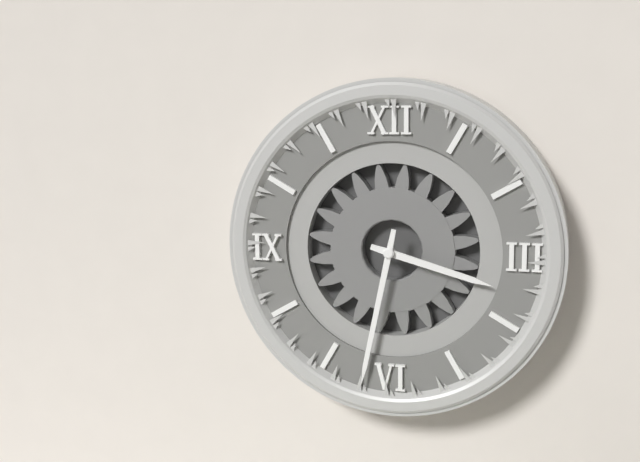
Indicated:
3,32
